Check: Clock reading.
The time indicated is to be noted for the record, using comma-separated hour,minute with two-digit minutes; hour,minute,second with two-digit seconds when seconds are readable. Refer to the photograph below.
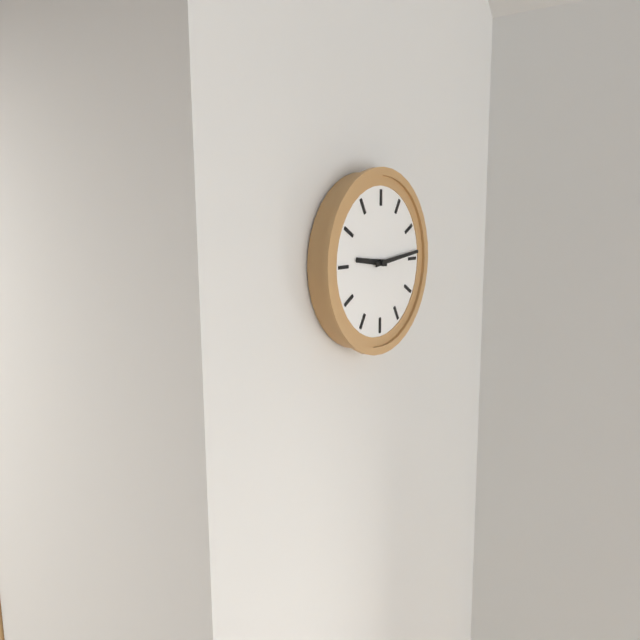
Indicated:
9,14
